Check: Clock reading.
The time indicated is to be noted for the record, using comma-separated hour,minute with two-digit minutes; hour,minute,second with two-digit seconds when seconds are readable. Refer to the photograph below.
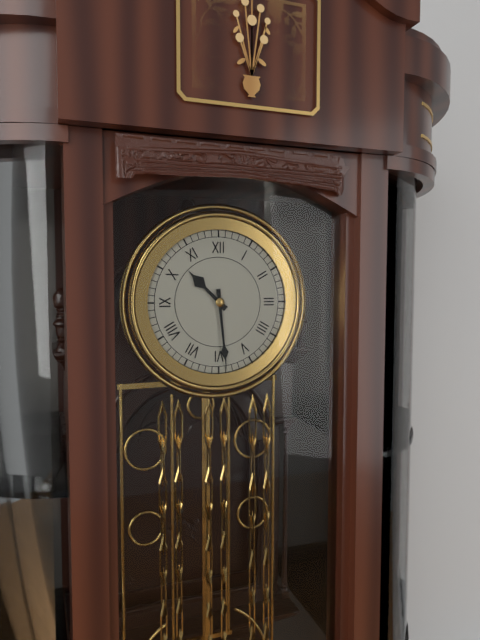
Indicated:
10,29
